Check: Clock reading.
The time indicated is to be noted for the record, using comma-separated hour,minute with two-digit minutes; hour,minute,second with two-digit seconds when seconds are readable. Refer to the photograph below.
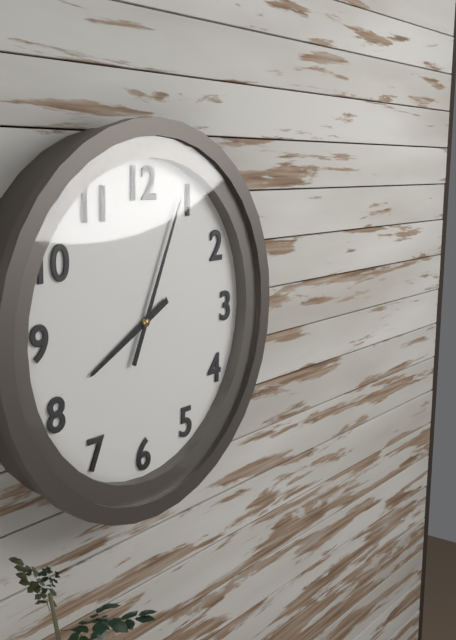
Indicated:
8,04
